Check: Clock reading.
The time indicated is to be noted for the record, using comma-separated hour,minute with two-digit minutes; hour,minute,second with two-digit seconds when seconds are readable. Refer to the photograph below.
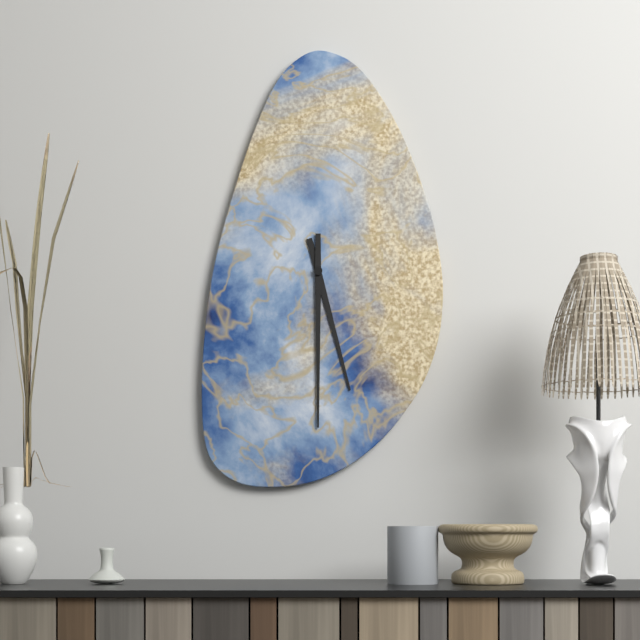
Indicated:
5,30
